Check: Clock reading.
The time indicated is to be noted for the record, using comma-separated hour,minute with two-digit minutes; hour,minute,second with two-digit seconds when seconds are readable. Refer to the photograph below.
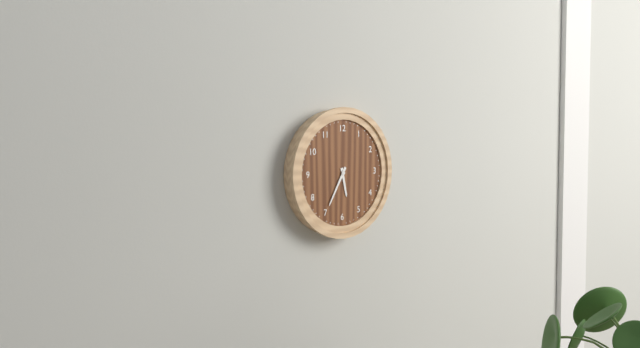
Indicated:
5,35
